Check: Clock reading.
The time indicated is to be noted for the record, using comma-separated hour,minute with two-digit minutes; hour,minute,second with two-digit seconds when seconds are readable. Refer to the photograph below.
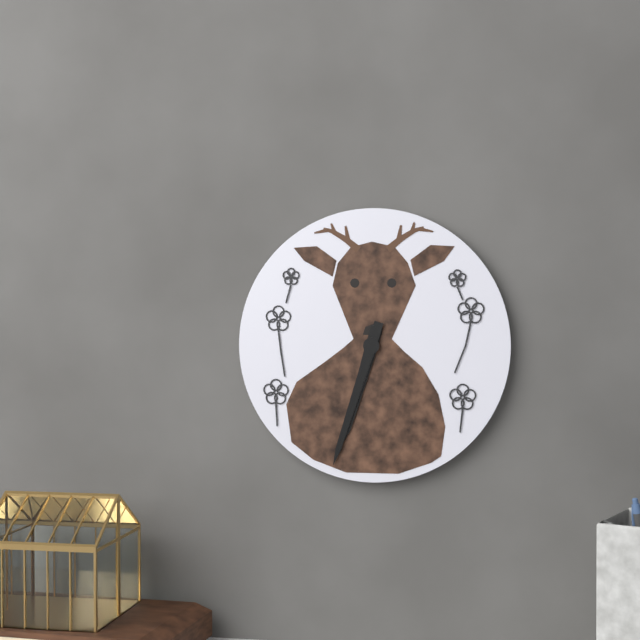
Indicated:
6,33
